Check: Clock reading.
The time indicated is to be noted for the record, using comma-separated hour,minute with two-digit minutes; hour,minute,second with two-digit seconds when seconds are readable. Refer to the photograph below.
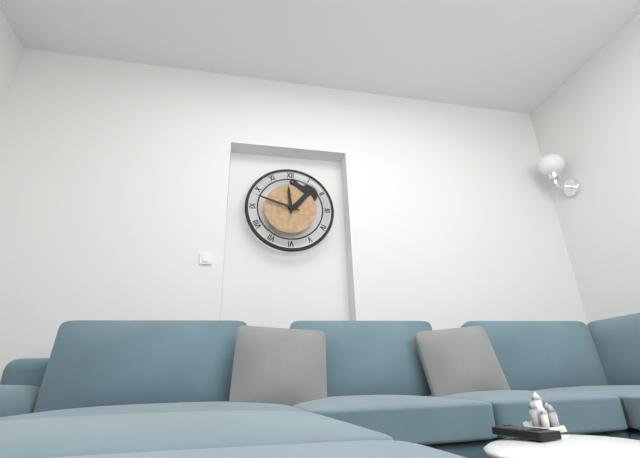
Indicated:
11,48
